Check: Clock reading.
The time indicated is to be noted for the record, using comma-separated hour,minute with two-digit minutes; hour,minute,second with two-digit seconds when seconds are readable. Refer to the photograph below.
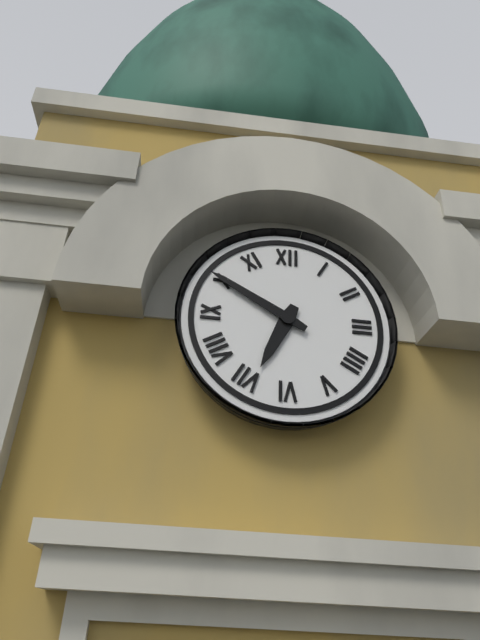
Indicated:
6,50
